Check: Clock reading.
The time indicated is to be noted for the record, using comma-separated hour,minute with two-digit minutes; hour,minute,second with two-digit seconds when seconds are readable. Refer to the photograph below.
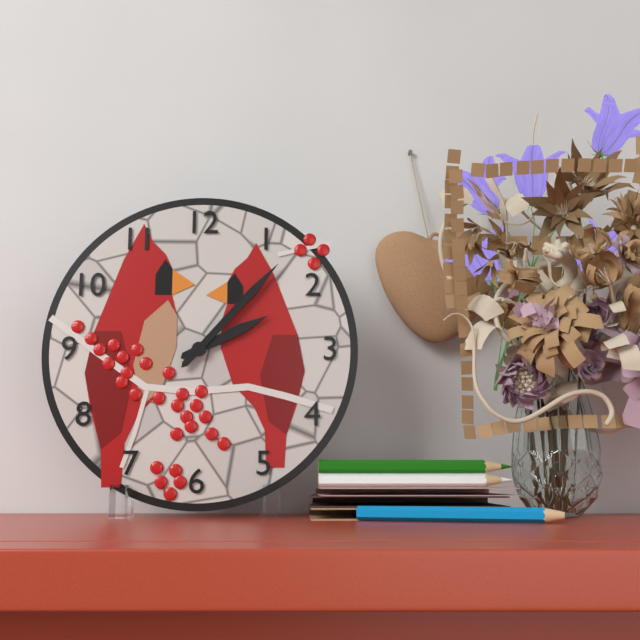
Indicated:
2,07
